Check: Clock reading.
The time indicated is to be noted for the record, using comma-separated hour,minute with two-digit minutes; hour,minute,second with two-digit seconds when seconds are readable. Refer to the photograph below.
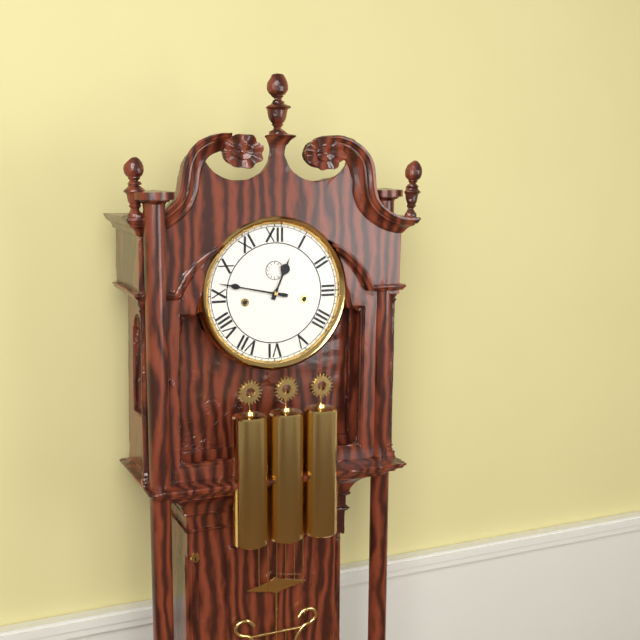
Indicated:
12,47
